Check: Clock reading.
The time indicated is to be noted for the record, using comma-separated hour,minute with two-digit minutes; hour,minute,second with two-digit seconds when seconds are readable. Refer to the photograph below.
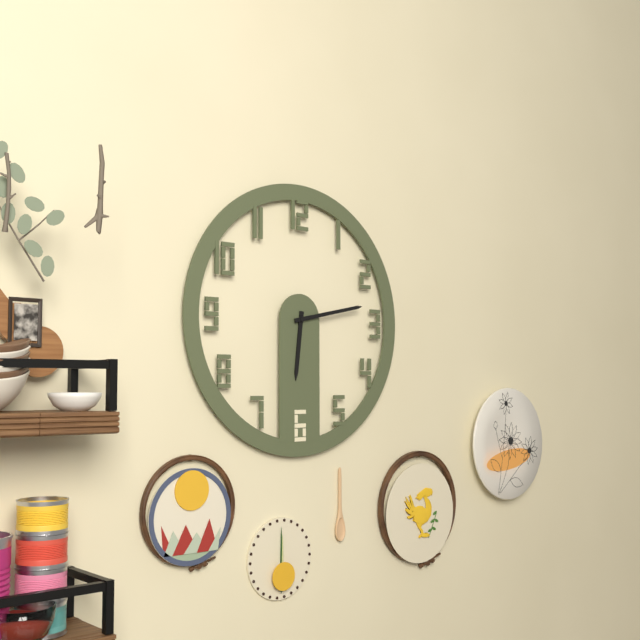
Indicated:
6,13
